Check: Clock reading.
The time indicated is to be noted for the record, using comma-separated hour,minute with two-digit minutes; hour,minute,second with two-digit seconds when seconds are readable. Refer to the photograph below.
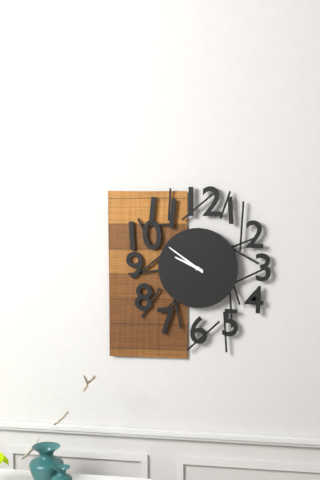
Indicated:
9,51
